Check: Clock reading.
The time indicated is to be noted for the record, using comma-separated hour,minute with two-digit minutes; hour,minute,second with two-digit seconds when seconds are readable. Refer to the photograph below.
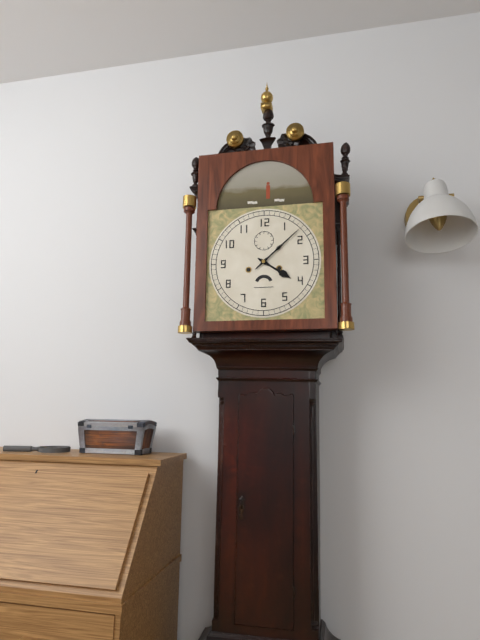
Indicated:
4,08
